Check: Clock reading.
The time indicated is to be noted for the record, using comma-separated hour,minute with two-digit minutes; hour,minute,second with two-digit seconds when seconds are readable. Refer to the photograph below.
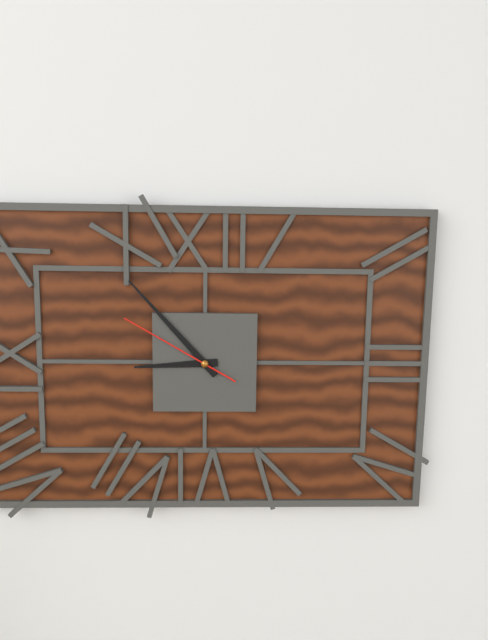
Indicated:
8,53,50
